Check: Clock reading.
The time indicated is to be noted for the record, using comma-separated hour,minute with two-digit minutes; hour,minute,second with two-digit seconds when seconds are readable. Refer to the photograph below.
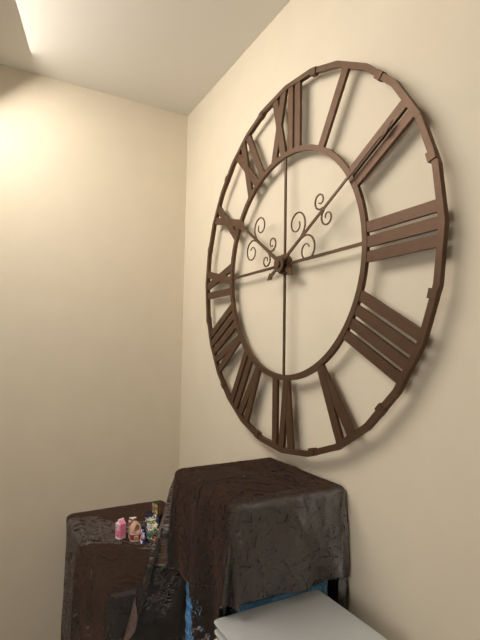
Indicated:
10,10
